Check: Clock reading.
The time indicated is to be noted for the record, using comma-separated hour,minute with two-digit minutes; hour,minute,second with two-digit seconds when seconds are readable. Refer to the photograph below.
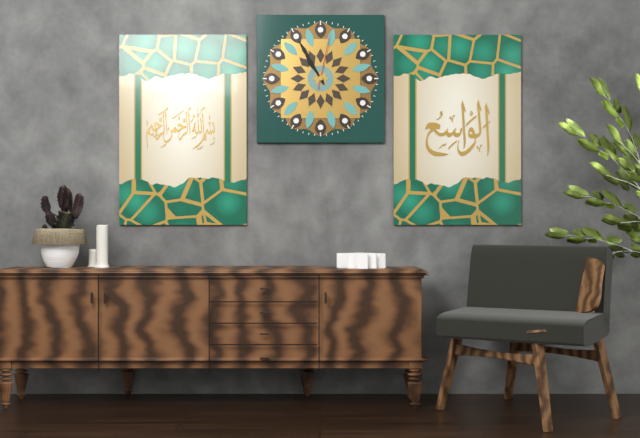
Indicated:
10,55,02
